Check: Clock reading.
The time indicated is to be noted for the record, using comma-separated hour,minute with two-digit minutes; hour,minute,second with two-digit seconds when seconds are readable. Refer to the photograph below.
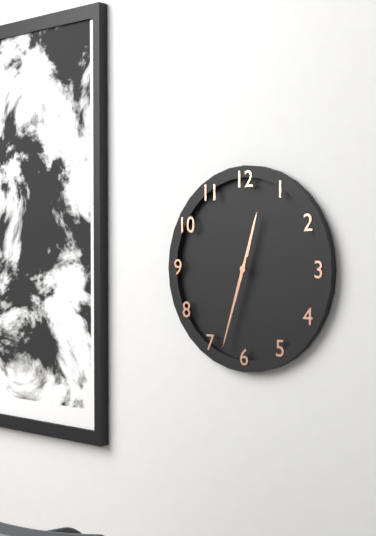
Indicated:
12,33
